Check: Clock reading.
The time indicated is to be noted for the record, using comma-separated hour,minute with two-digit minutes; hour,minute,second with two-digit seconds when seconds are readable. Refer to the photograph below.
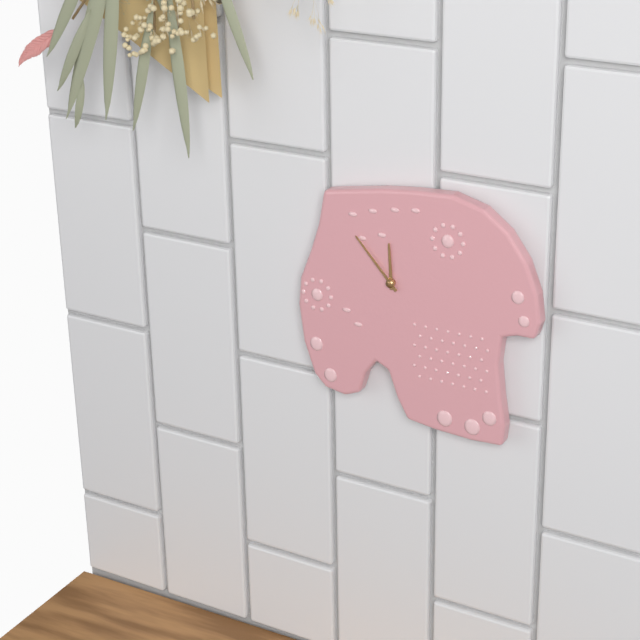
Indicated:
11,53
